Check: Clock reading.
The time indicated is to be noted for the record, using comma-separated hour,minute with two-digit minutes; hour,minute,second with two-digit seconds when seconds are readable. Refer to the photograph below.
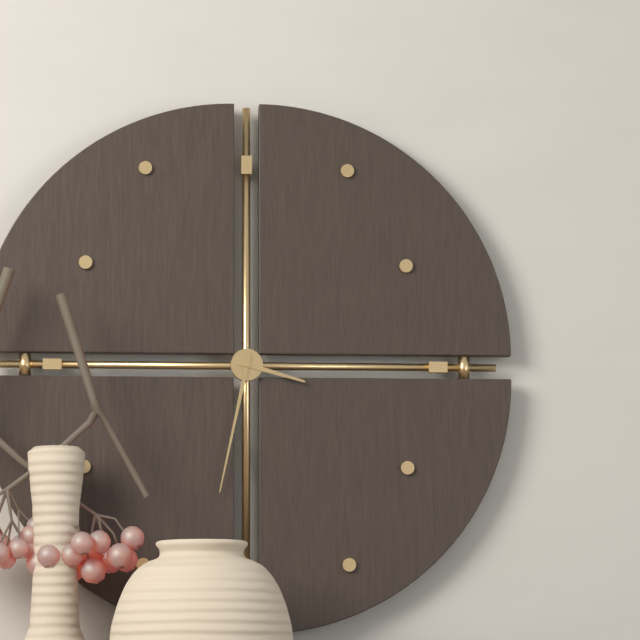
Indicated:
3,32
